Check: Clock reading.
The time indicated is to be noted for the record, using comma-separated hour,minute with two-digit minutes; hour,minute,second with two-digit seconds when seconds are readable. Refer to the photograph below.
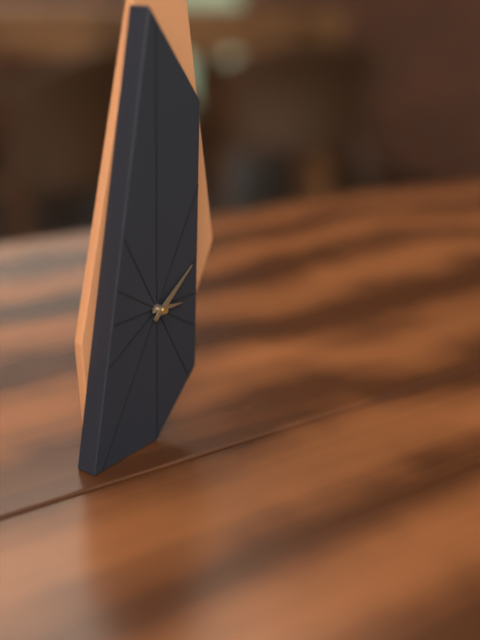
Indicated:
3,09
